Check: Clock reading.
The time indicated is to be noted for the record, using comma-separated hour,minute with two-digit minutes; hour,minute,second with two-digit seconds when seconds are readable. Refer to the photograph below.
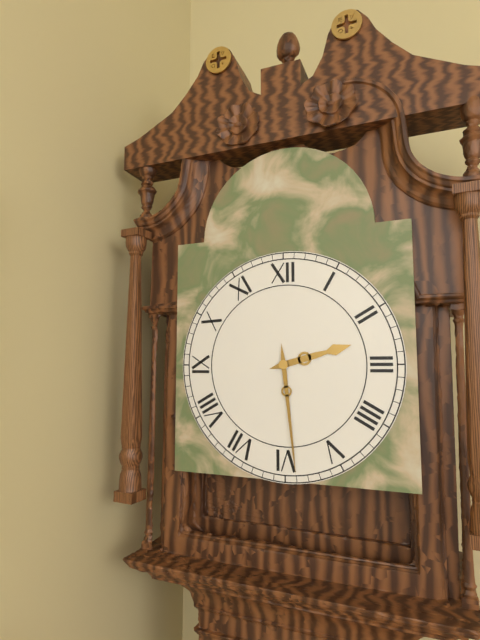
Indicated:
2,29
